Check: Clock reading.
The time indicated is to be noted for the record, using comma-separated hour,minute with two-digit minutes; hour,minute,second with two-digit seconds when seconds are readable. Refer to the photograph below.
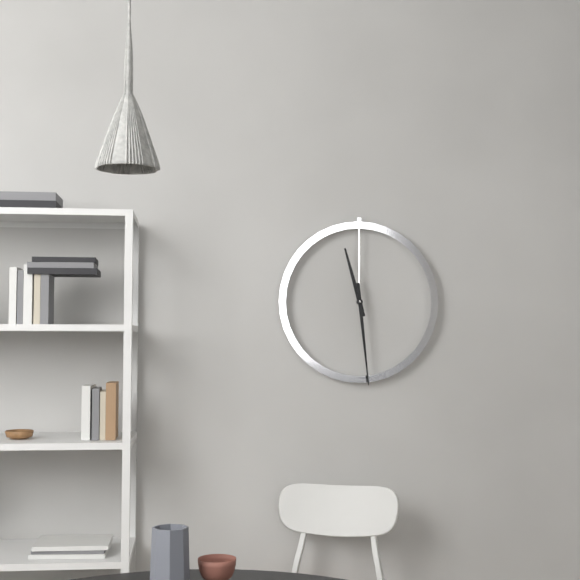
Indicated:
11,29
